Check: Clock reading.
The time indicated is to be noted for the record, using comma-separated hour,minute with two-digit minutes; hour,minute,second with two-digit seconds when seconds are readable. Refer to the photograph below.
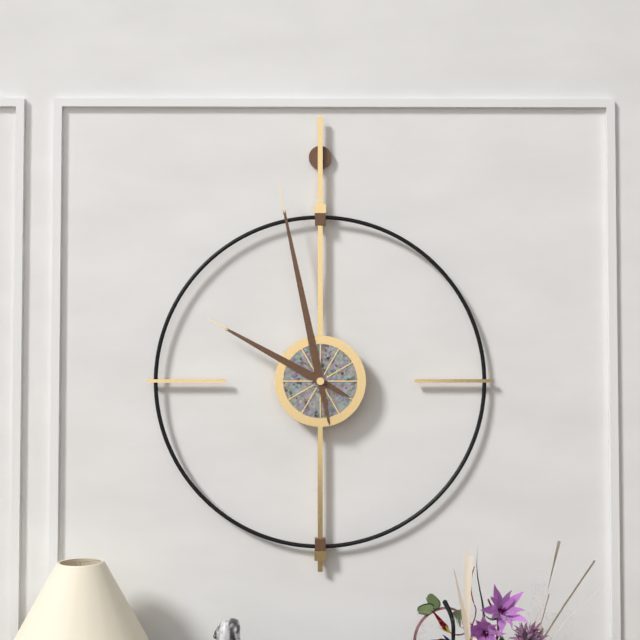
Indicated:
9,58
